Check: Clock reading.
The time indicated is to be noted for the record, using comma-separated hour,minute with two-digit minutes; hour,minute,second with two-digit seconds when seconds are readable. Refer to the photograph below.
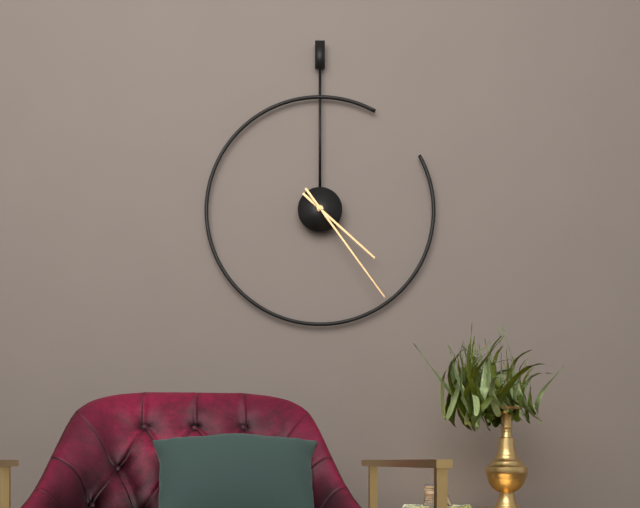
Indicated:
4,24
